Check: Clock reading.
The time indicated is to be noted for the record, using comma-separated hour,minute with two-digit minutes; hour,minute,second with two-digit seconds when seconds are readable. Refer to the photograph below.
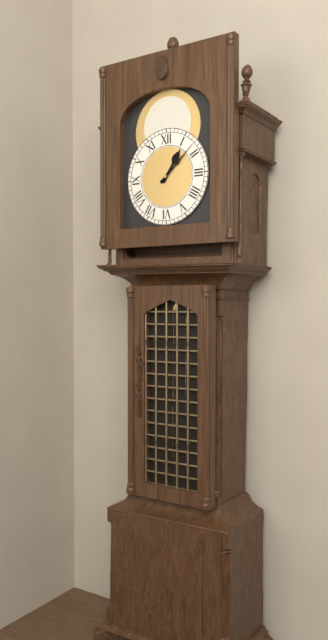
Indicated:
1,08
